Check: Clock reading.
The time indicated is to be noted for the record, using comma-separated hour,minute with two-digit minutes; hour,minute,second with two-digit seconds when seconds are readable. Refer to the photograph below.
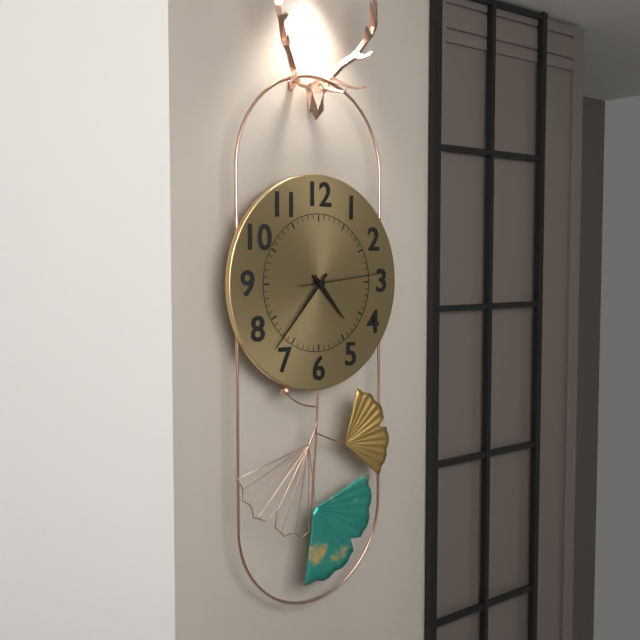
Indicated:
4,37,14
